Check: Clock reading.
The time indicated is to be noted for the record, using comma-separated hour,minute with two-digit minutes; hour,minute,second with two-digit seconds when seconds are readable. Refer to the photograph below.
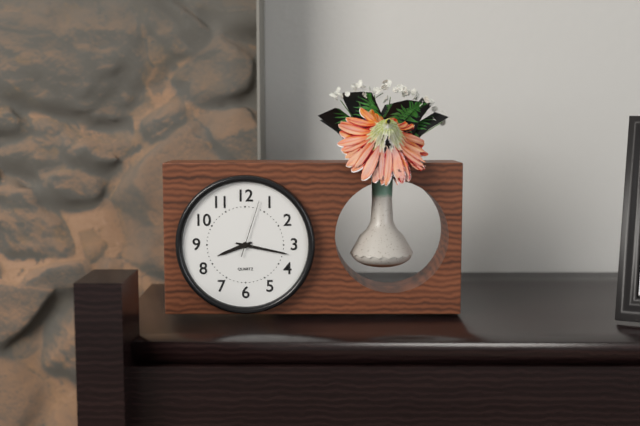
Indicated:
8,17,03
